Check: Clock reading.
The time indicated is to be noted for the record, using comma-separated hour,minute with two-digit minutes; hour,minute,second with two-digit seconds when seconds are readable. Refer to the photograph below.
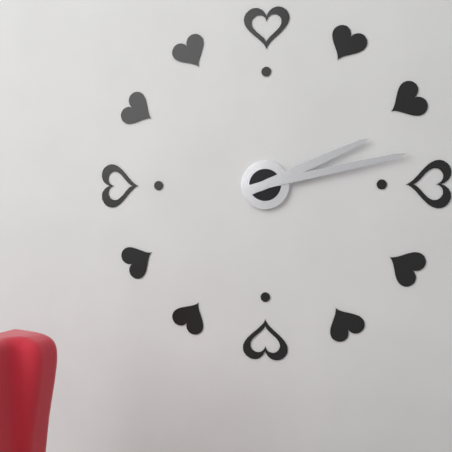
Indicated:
2,13
